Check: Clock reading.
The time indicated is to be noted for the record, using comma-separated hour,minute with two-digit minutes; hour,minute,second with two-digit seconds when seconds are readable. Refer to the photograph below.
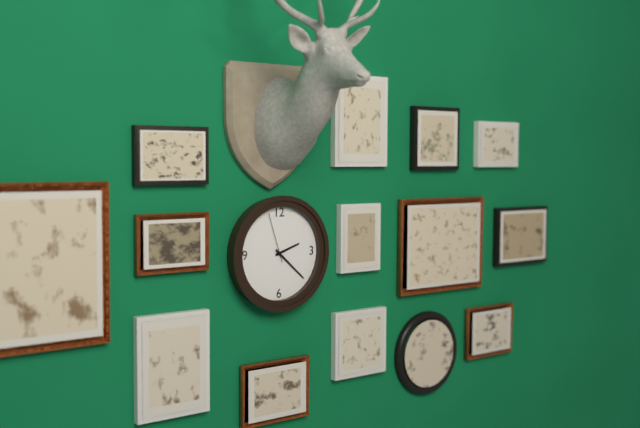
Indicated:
2,22,57
